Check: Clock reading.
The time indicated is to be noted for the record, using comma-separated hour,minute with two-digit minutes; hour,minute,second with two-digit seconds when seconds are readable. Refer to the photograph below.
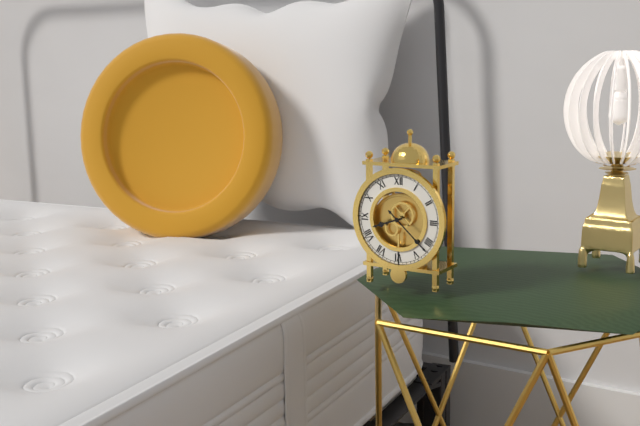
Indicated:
8,22
